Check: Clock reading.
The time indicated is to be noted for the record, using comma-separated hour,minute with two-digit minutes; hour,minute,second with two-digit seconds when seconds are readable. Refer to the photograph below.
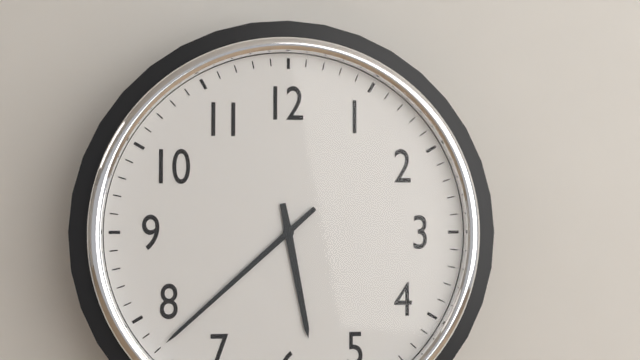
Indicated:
5,38
